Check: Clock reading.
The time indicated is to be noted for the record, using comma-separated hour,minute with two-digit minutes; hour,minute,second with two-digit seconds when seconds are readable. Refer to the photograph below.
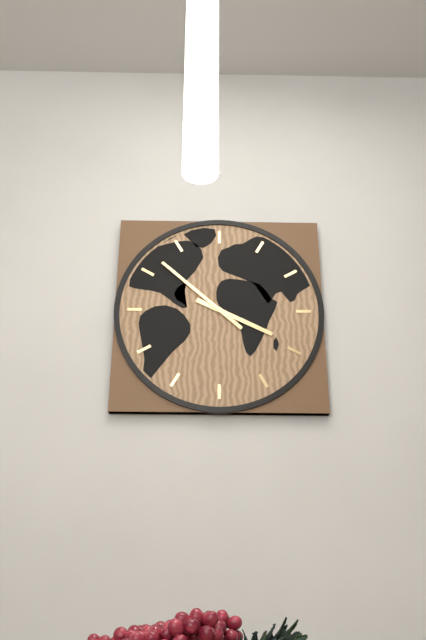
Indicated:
3,52
